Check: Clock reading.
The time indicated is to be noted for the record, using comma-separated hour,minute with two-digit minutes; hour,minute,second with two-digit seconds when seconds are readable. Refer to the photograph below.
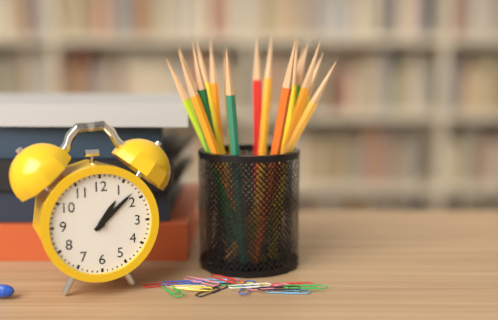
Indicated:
1,08
